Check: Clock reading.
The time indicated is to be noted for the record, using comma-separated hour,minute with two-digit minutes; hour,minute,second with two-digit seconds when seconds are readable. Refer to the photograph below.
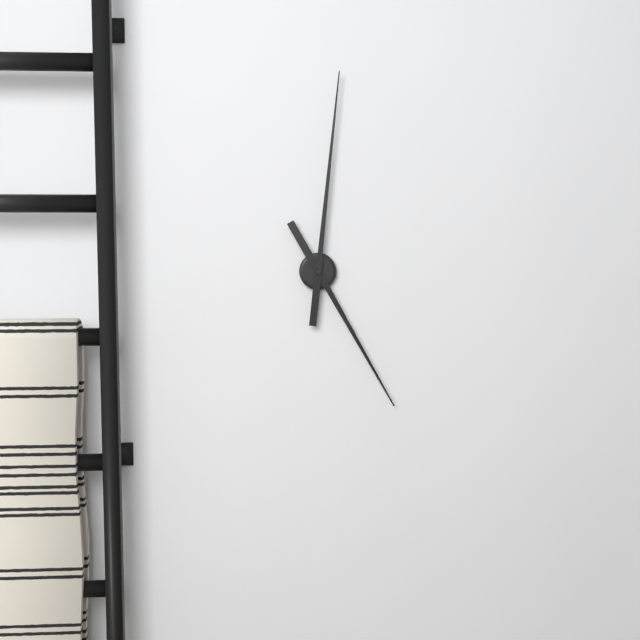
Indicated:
5,01
